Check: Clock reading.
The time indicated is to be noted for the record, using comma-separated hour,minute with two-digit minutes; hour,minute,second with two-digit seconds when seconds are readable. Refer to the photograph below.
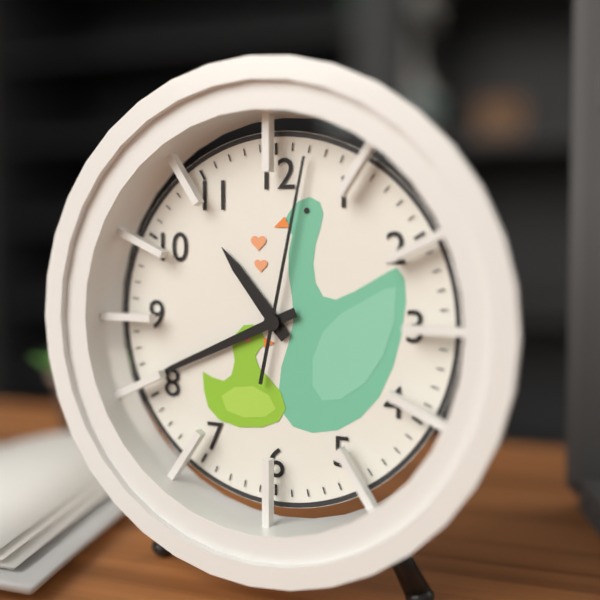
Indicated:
10,41,02
